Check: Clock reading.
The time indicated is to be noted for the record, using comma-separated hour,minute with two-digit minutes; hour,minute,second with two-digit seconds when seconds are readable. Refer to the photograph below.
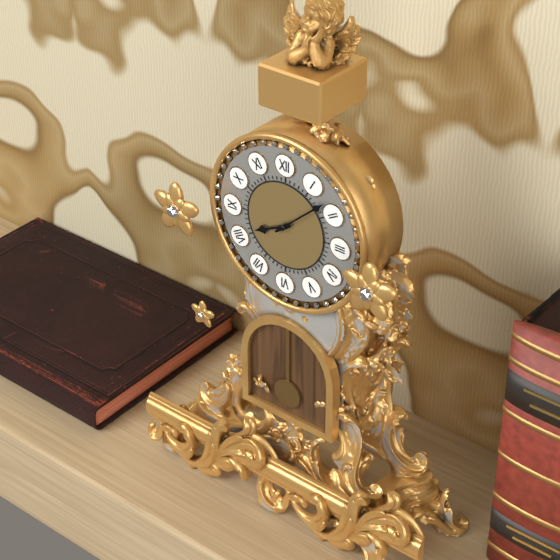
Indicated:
8,08
